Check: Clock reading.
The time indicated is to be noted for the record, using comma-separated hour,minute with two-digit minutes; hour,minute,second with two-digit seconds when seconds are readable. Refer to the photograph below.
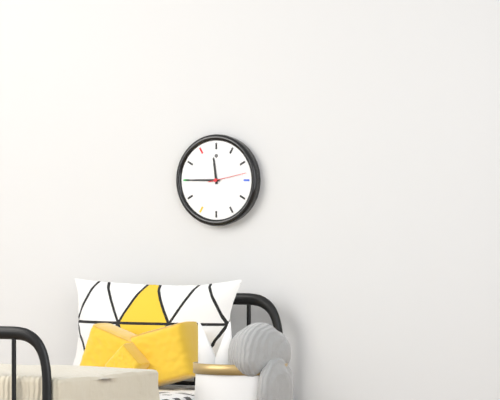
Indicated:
11,45
